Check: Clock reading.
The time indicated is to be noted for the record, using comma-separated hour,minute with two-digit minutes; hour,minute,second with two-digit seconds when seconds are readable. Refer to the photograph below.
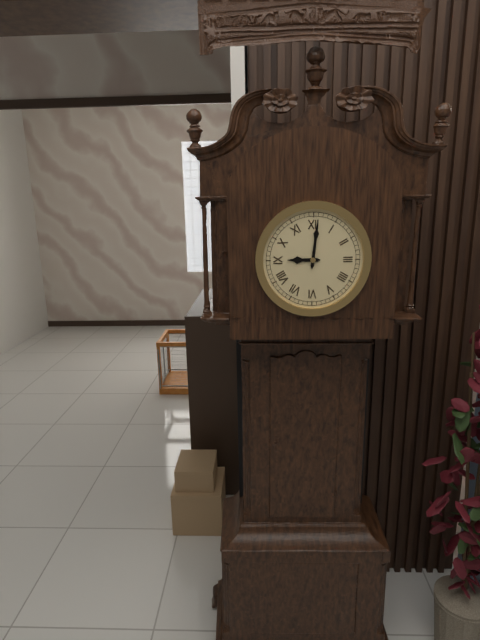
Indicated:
9,01
